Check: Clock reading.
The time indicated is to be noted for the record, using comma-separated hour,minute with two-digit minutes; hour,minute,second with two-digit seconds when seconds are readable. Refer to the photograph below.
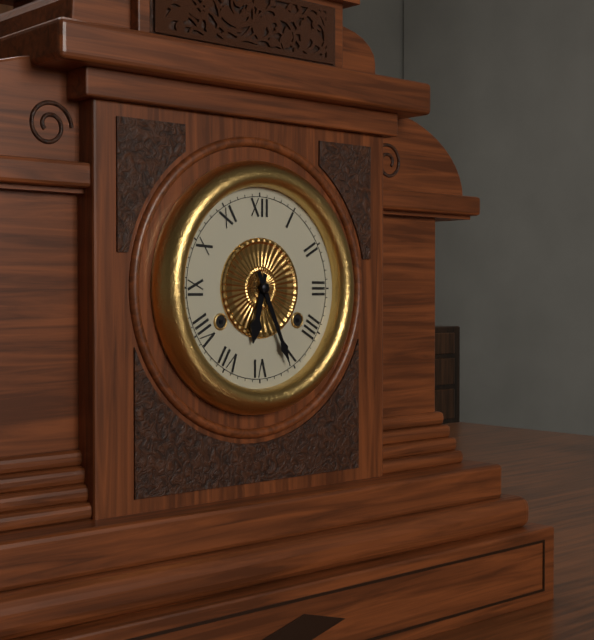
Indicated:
6,26
